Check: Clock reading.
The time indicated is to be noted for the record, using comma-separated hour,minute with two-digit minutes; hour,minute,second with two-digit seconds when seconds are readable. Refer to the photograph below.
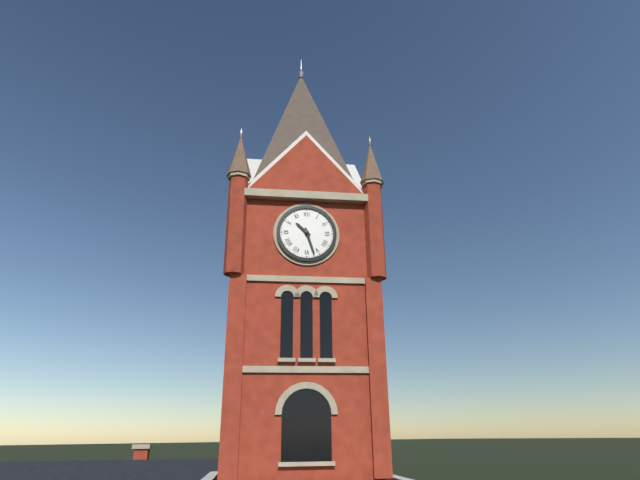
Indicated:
10,27
